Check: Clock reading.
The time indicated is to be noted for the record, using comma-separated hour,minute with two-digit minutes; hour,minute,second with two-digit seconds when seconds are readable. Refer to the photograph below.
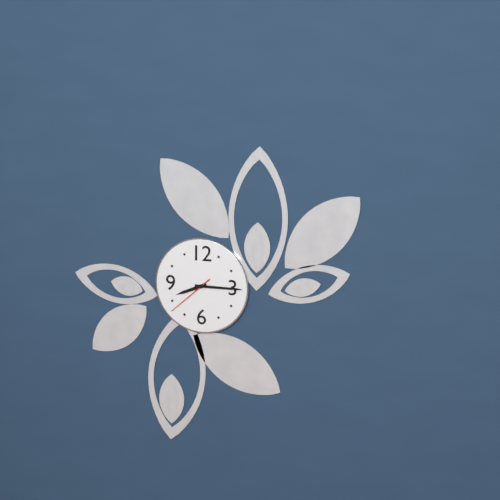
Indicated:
8,15,38
